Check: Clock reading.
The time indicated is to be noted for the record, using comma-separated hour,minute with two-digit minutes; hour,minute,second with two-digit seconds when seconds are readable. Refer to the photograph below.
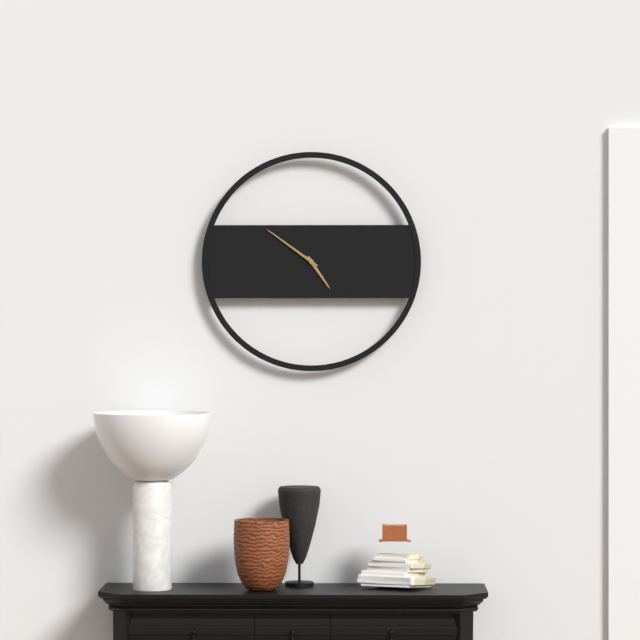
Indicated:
4,51
